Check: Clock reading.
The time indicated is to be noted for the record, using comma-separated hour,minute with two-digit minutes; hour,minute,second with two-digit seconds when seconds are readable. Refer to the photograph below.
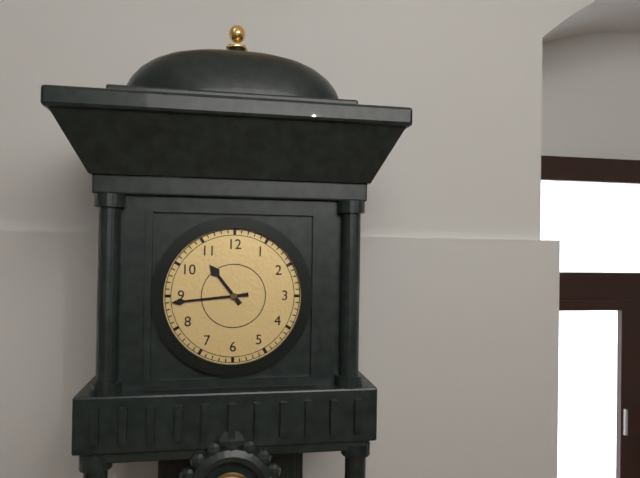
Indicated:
10,44
